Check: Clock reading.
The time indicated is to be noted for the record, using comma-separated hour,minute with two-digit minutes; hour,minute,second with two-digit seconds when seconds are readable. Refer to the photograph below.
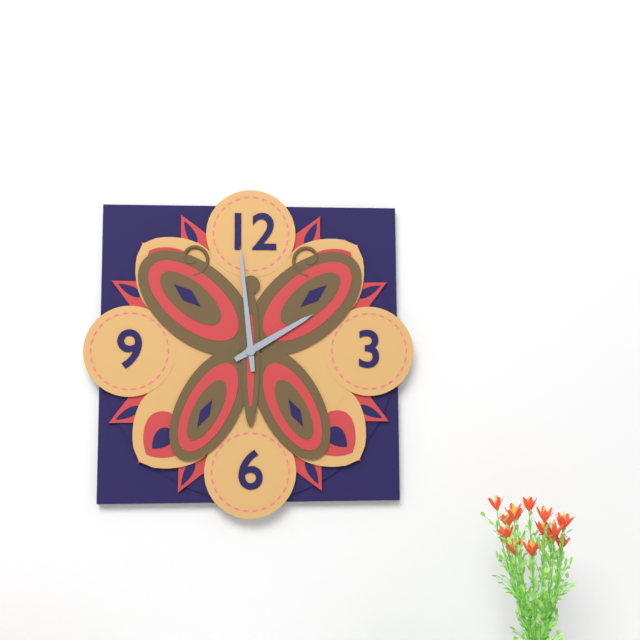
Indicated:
1,59
